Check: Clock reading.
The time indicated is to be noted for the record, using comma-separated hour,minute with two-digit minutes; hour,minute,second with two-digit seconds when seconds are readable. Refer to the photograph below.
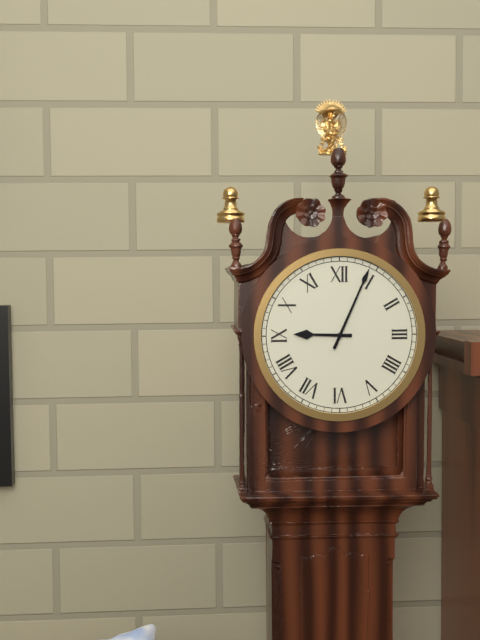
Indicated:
9,04
